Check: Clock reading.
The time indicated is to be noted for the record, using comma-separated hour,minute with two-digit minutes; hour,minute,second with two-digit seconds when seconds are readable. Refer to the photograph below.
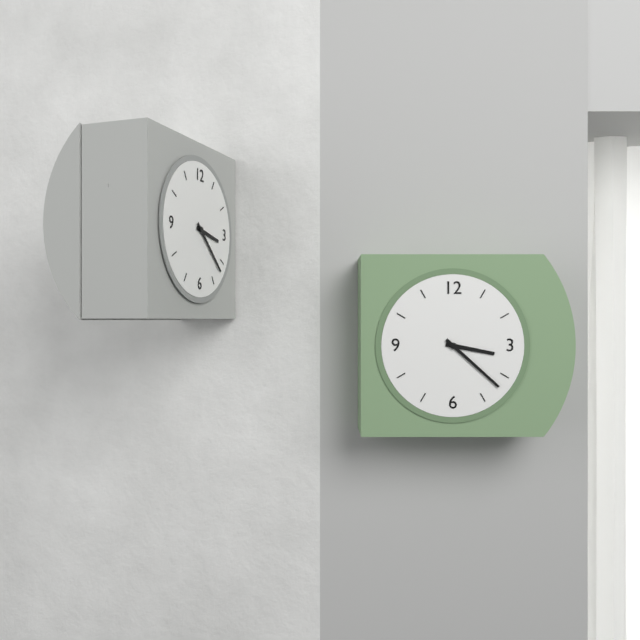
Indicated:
3,22
